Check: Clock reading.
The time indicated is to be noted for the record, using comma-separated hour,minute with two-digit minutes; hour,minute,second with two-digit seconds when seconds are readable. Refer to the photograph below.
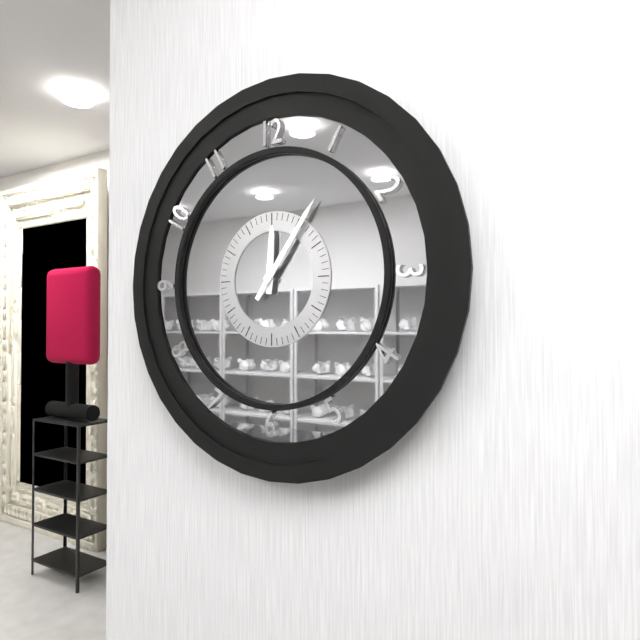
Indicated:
12,06
